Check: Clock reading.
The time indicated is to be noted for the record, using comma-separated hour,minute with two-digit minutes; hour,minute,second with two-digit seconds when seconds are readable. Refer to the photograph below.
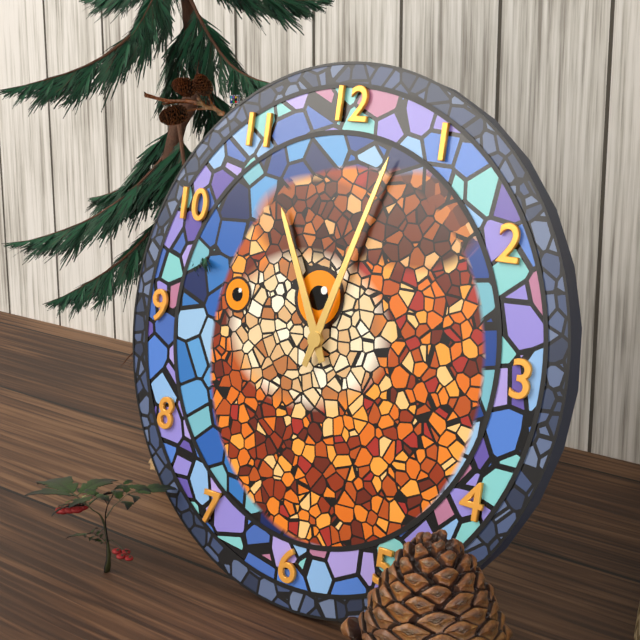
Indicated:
11,03
